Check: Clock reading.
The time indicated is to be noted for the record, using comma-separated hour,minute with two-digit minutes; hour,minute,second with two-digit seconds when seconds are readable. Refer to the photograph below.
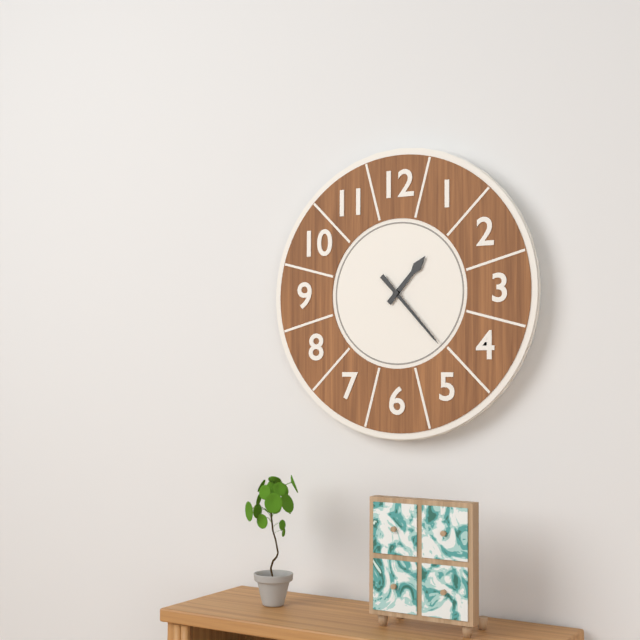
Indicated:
1,23
